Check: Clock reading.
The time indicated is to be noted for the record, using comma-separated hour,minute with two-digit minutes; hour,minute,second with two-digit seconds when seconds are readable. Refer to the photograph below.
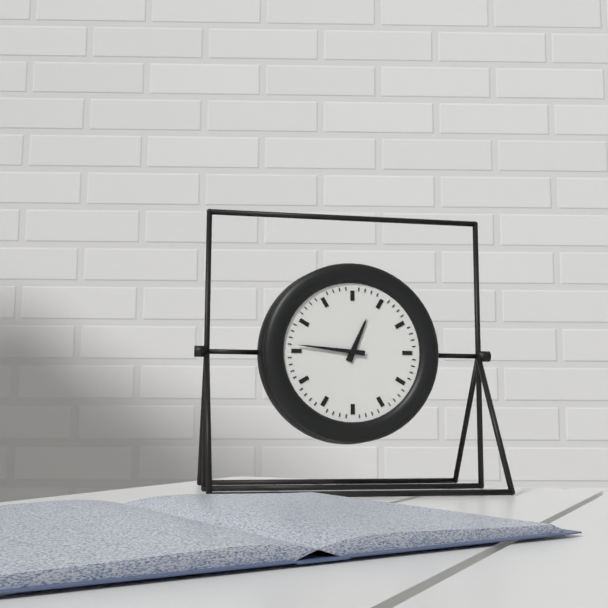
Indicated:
12,46
